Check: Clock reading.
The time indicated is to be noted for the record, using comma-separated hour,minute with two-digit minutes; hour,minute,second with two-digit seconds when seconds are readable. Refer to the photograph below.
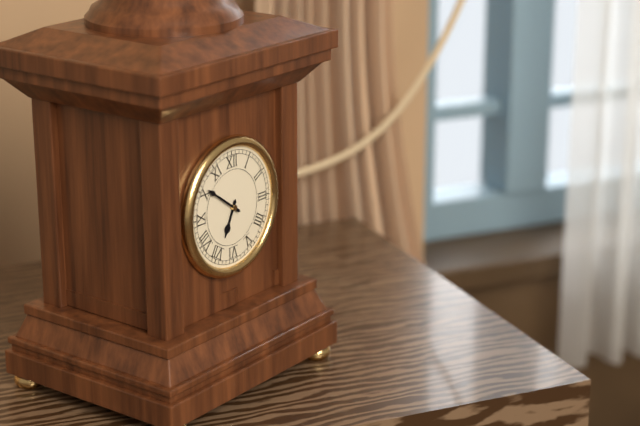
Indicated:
6,51
